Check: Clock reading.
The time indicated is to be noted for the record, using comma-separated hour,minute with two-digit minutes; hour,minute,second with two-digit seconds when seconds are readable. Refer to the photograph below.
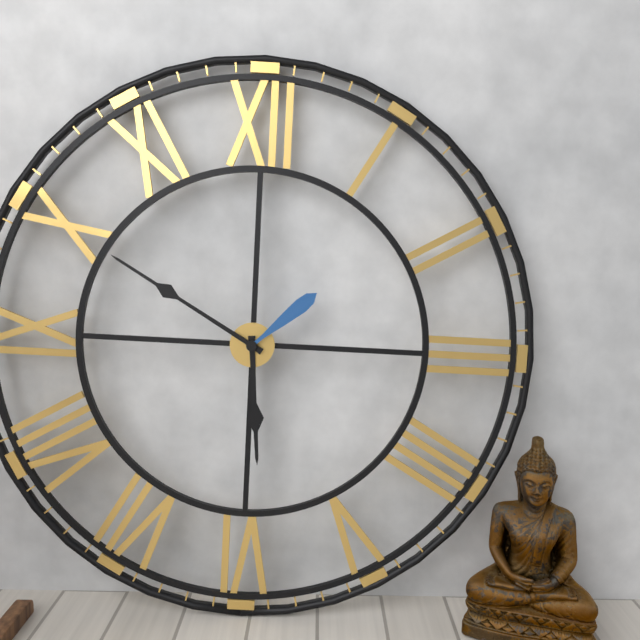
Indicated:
5,50,08
